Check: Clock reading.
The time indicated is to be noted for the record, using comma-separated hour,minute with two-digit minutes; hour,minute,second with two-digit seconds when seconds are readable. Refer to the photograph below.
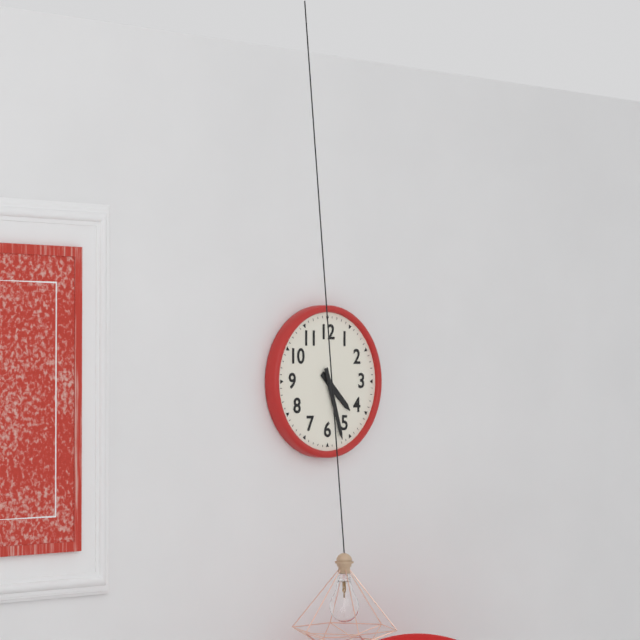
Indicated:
4,27
